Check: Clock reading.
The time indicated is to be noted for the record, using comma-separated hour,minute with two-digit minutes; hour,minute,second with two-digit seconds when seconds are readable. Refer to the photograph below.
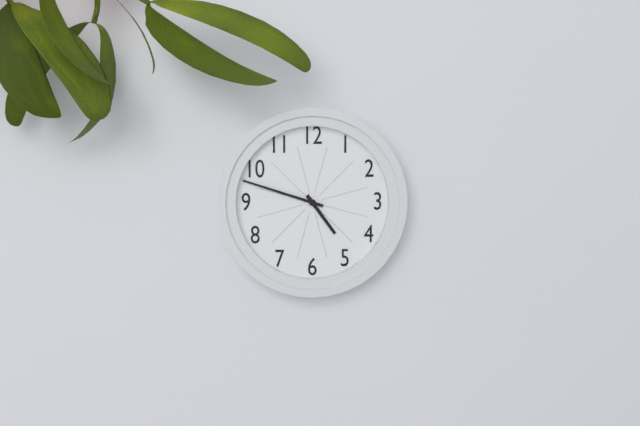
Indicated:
4,48
